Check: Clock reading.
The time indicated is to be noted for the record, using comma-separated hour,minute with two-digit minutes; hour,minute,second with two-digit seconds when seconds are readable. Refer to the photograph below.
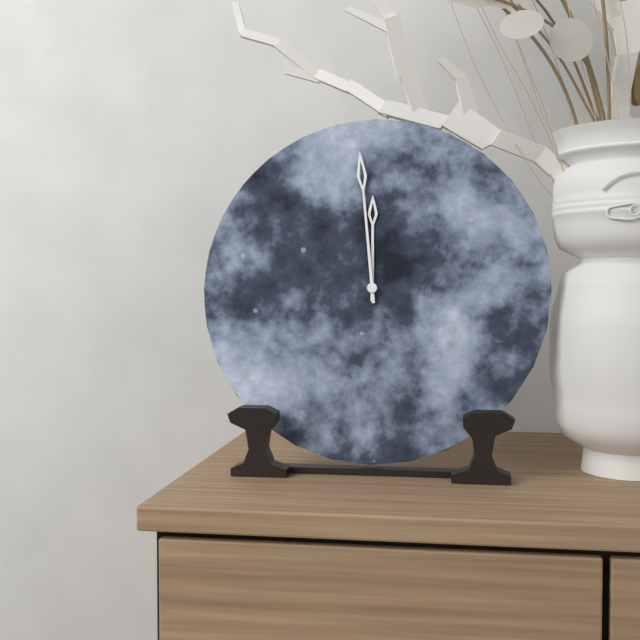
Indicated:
11,59
